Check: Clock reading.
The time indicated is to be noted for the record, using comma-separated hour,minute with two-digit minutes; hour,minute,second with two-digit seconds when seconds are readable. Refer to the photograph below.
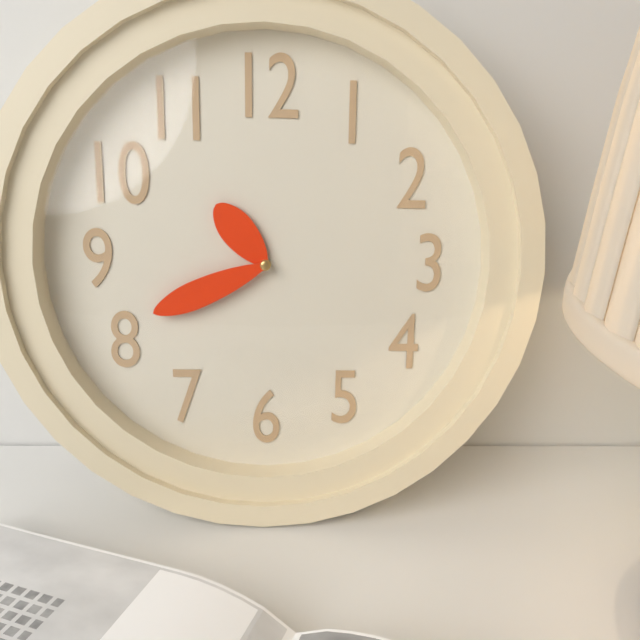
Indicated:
10,41
